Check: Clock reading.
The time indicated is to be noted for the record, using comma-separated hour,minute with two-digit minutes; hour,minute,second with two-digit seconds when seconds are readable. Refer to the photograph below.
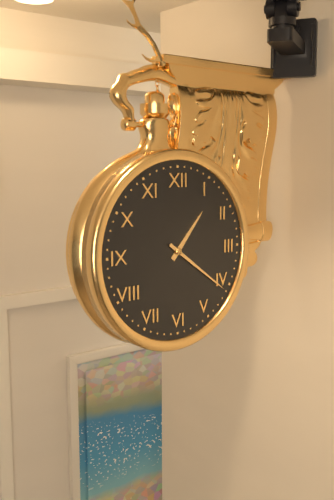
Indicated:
1,21
